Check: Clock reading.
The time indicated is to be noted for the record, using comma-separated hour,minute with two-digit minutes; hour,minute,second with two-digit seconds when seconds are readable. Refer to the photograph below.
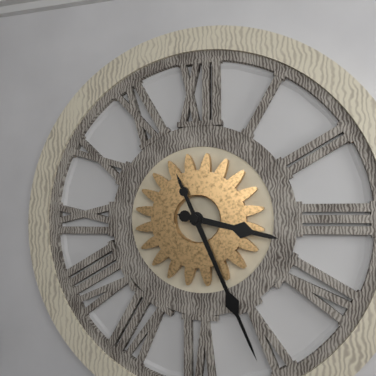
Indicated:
3,26
